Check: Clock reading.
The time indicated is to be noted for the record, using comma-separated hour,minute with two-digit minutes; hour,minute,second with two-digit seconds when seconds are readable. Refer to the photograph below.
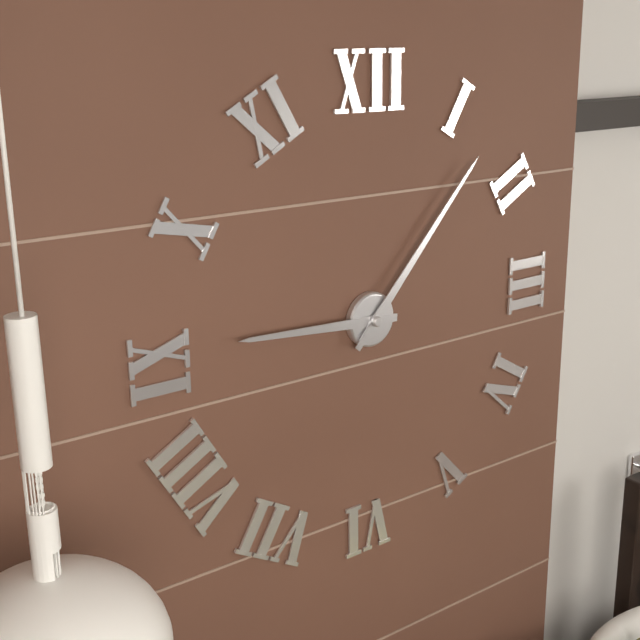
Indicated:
9,07
